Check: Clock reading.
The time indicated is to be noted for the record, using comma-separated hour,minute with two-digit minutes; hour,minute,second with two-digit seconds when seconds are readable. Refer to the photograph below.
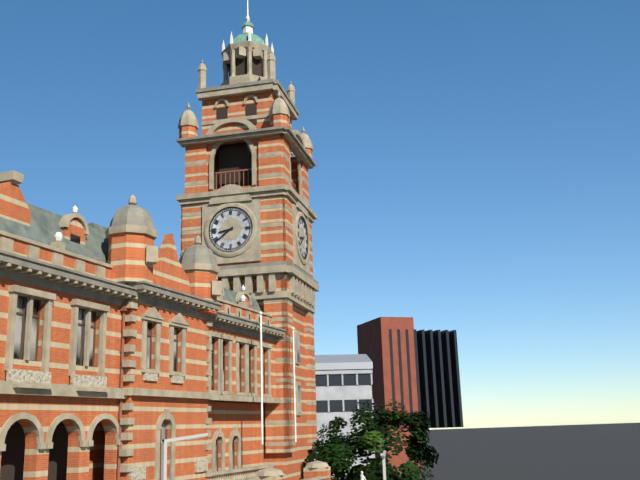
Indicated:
8,39
